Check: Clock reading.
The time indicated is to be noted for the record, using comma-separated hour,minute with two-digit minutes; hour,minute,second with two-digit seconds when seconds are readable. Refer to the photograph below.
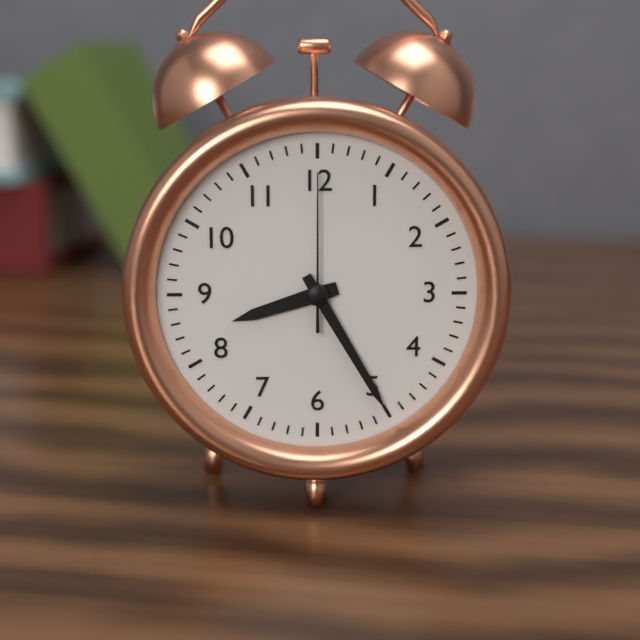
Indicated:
8,25,00
